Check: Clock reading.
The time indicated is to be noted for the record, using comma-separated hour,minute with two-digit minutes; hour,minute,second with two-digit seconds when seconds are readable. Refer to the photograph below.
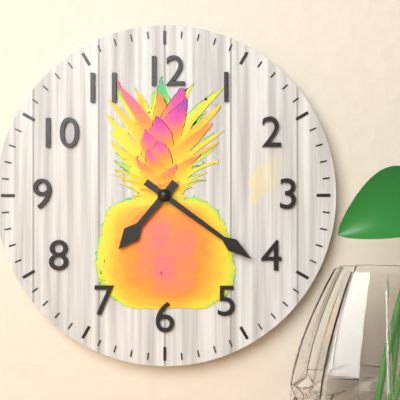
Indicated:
7,21
